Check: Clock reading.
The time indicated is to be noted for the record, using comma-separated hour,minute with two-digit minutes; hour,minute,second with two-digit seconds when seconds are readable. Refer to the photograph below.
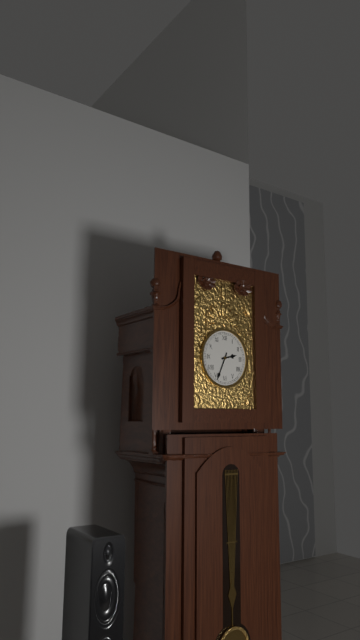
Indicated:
2,34
